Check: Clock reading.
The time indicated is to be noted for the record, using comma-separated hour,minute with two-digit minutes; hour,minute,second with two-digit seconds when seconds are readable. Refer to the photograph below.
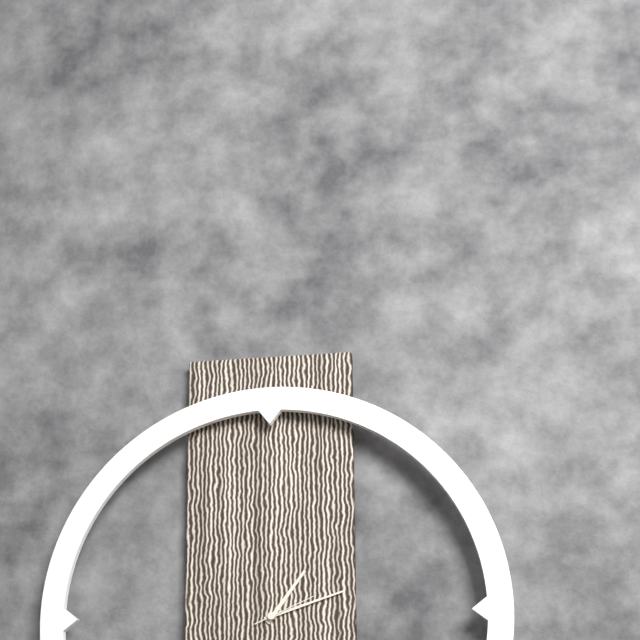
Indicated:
1,12,11
